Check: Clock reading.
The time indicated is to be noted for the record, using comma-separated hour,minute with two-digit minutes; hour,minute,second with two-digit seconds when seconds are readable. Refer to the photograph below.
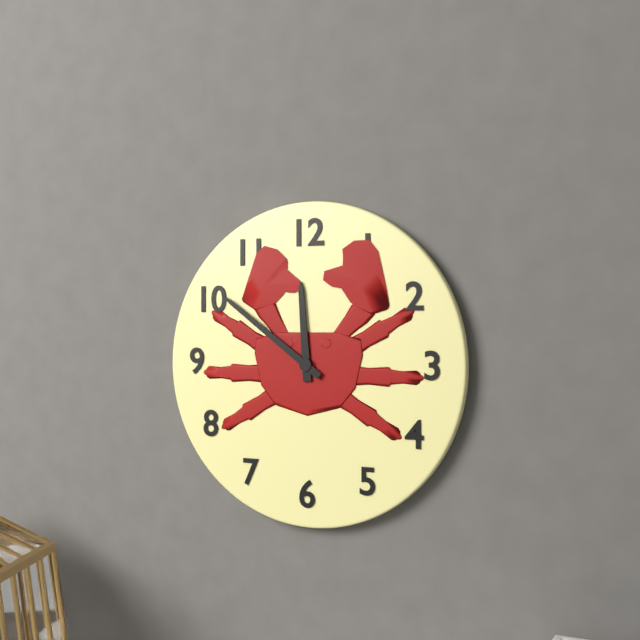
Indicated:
11,51
